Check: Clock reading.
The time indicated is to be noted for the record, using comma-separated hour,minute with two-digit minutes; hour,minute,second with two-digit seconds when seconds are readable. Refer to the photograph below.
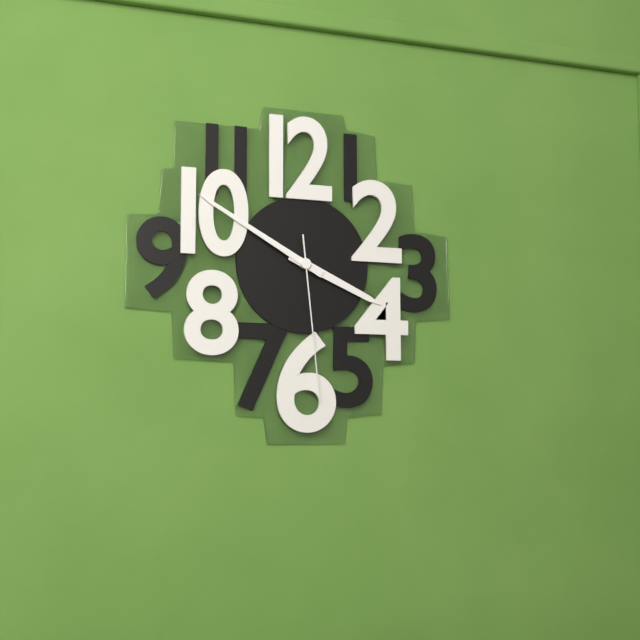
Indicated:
3,50,29
